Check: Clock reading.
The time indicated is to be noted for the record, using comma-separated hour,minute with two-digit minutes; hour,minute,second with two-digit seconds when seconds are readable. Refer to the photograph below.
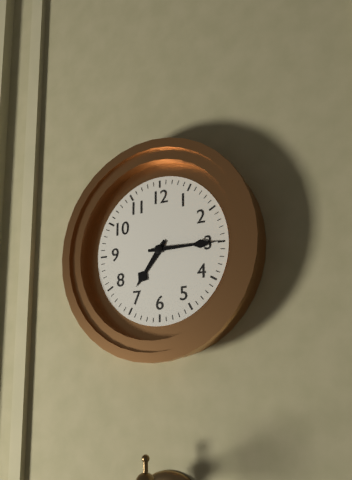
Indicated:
7,15
